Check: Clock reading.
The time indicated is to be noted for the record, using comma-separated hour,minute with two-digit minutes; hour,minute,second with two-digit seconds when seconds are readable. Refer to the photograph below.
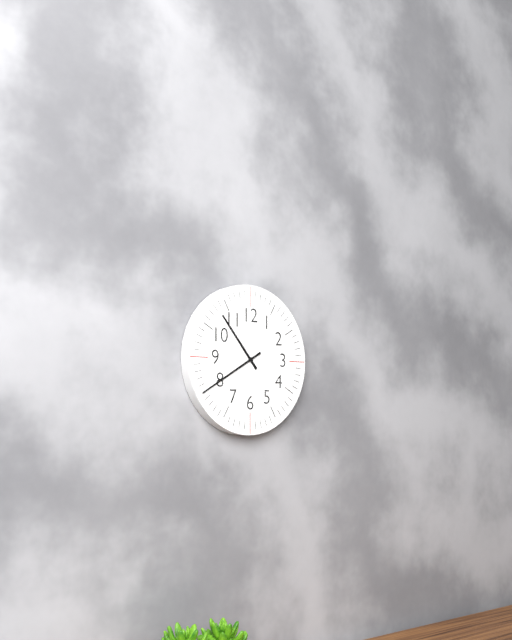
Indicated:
10,40
